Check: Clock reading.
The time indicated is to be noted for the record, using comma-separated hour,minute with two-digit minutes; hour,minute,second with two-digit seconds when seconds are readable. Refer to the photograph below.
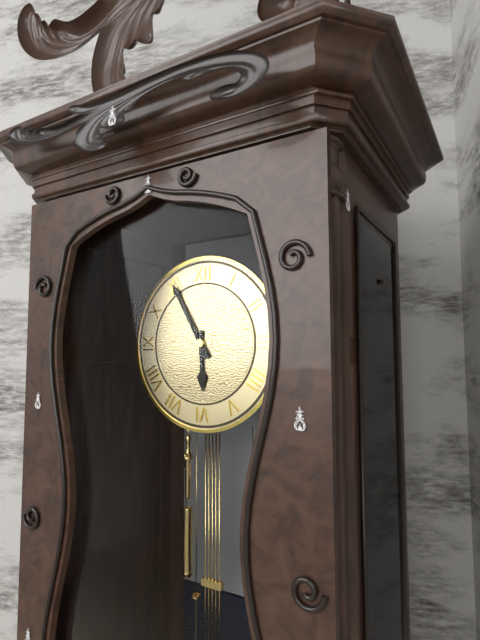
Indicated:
5,55
